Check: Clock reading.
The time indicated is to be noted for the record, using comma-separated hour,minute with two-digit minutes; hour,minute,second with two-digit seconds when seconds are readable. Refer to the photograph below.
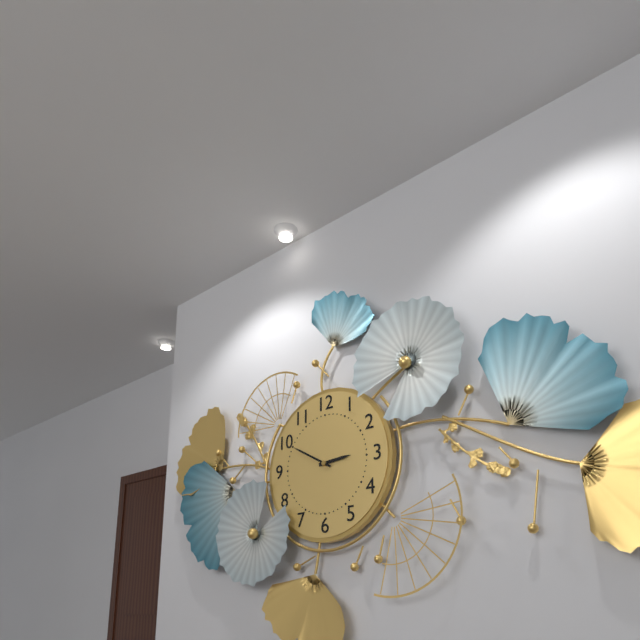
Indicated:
2,50
